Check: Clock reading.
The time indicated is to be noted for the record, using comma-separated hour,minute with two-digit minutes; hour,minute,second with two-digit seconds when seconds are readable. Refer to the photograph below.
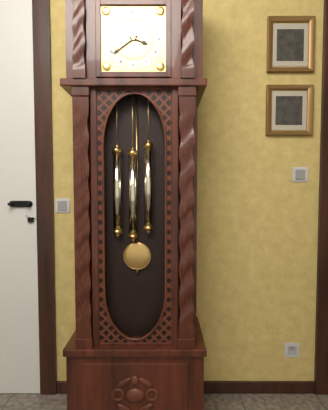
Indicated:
3,39
